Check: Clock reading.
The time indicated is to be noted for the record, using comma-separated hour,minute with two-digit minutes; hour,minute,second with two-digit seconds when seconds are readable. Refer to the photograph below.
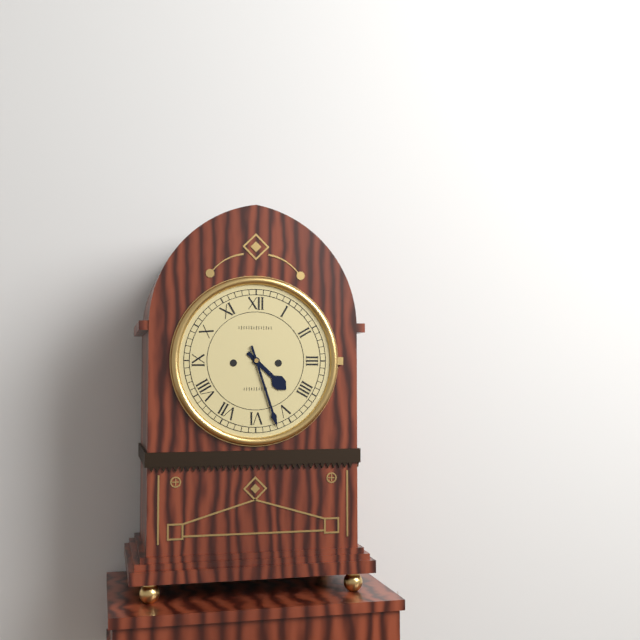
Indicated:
4,27
